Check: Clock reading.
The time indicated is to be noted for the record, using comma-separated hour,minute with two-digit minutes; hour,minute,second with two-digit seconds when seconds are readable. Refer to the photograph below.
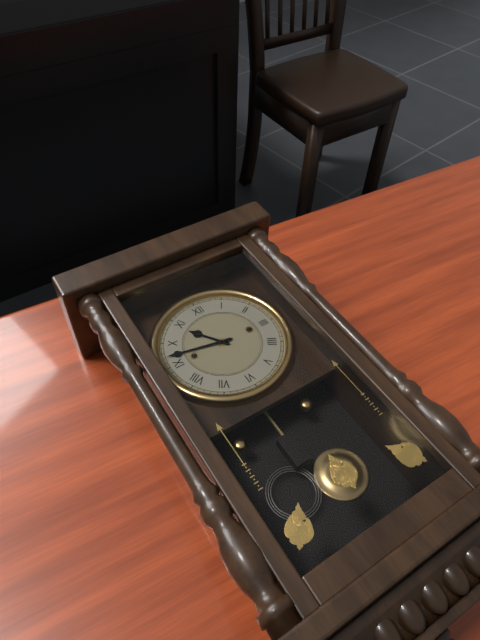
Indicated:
10,47
